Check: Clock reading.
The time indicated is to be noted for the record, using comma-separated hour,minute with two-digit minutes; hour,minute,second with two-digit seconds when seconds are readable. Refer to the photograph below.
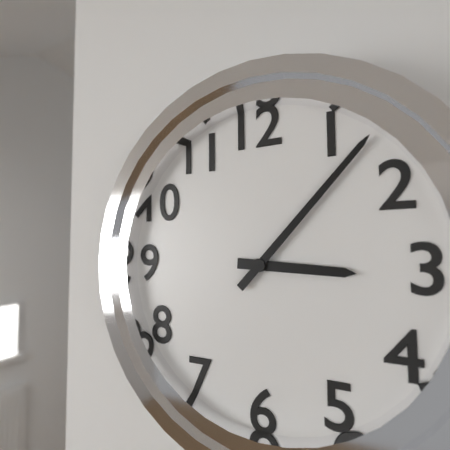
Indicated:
3,07
